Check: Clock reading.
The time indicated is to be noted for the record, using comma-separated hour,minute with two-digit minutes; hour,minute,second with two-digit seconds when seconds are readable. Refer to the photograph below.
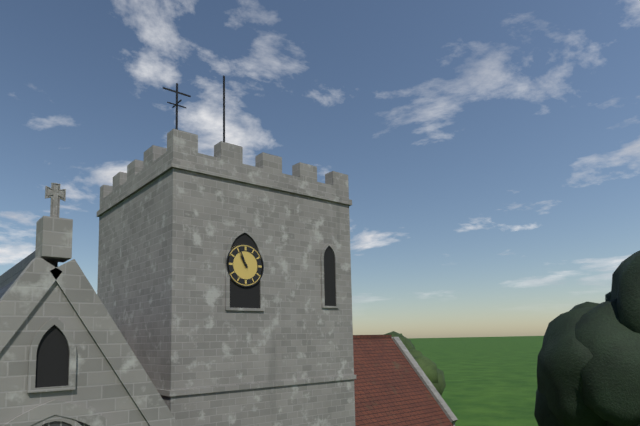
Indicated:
10,56
